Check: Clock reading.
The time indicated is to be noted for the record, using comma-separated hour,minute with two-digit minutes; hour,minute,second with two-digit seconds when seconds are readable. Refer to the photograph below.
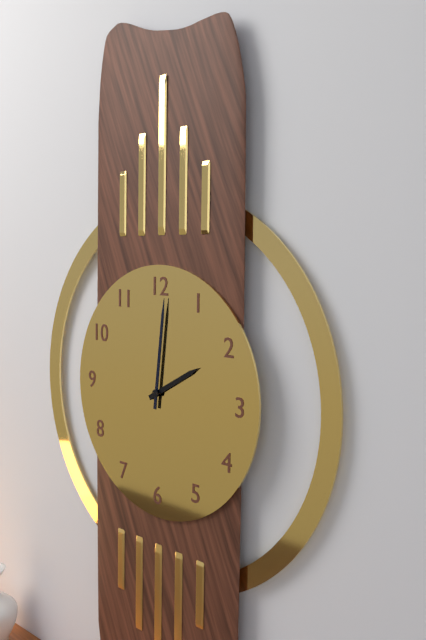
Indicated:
2,01
